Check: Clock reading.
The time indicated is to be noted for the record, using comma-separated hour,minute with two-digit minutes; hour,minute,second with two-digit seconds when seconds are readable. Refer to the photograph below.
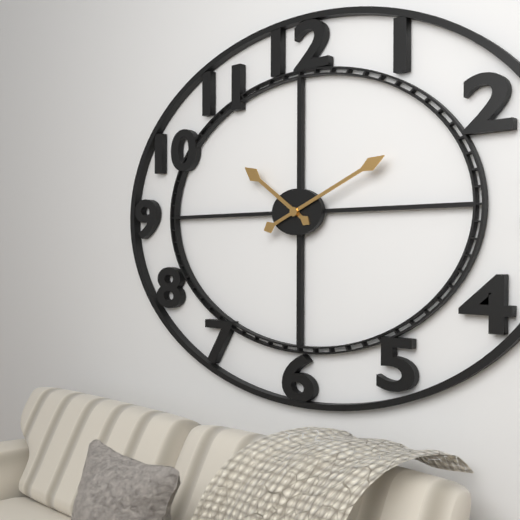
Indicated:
10,11
